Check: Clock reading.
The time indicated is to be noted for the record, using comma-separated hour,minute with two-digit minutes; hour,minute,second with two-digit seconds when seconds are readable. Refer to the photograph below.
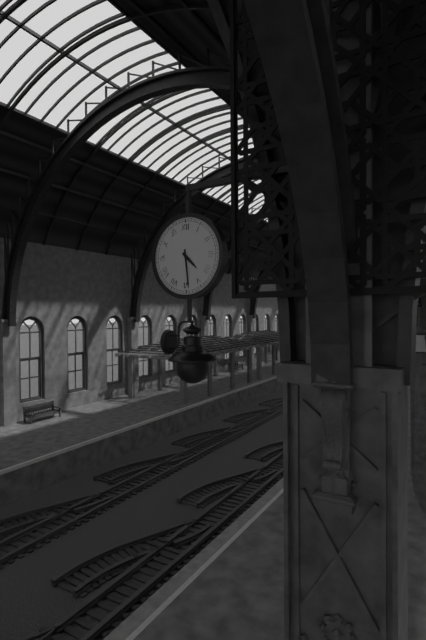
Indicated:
4,29
